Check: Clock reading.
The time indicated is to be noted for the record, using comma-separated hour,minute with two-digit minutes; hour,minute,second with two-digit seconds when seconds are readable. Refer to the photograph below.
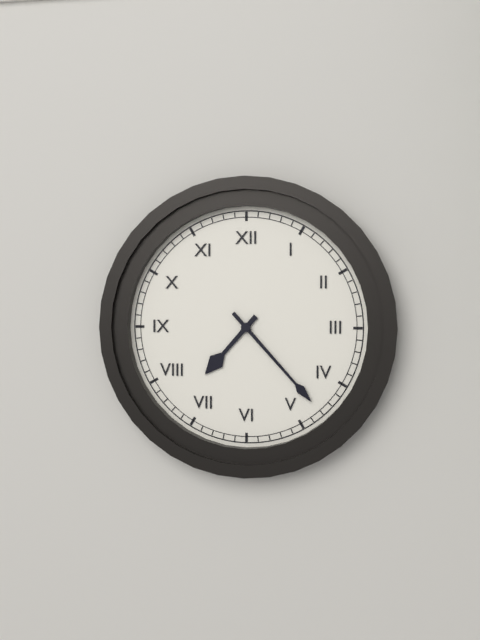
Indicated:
7,23
